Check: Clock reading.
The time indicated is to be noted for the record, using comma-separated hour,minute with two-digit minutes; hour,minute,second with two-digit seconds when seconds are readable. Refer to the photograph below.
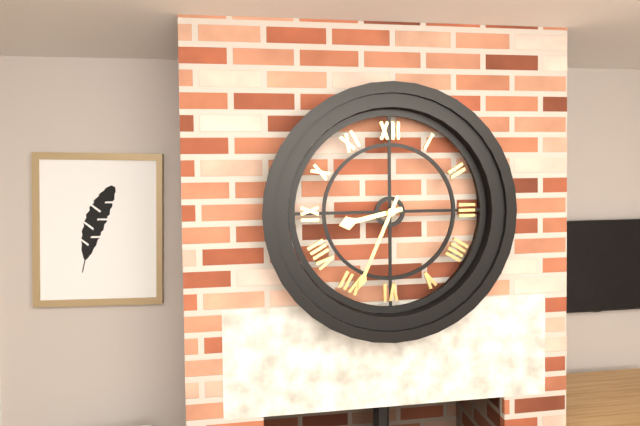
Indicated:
8,34
